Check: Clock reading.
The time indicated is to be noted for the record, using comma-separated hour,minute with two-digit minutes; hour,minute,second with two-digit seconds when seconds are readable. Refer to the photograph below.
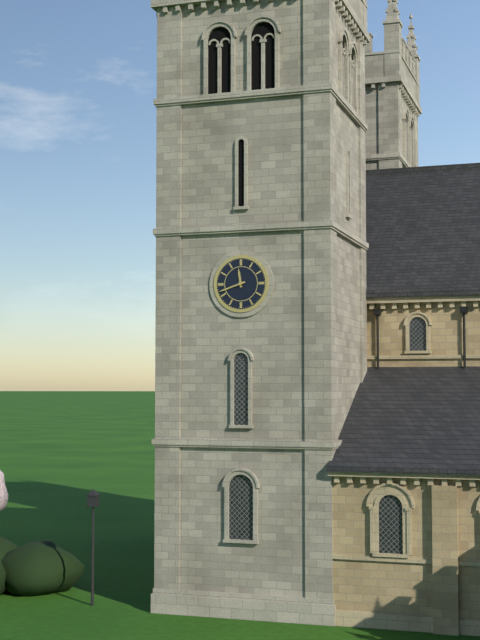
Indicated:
11,42
